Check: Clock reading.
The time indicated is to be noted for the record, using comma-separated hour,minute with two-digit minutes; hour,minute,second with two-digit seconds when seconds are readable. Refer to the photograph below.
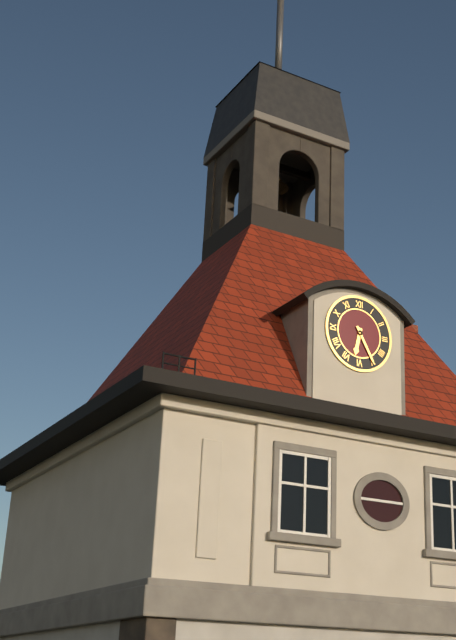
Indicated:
6,25
